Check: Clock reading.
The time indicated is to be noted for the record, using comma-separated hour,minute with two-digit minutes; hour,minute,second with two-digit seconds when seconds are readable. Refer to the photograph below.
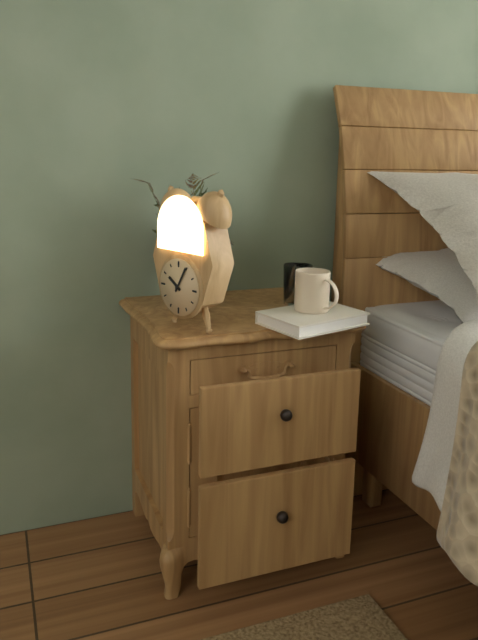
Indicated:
10,05
